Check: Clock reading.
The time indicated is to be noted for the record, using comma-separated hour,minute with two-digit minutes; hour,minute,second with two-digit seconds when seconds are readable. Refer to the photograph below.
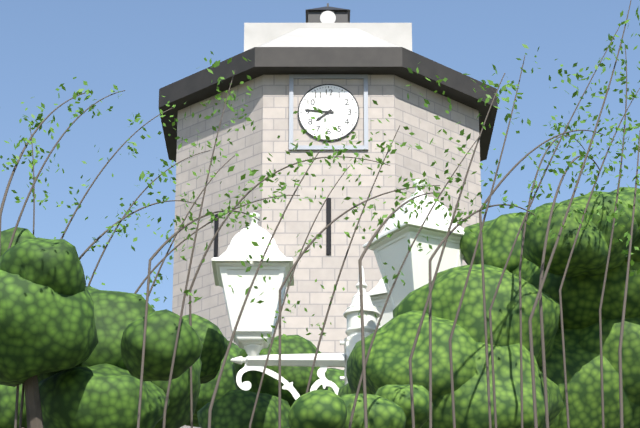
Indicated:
7,46
